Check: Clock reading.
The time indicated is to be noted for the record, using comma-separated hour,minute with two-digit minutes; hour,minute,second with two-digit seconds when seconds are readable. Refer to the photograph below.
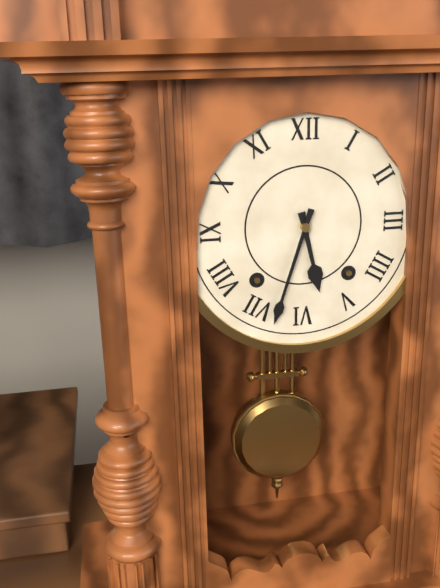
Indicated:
5,33
